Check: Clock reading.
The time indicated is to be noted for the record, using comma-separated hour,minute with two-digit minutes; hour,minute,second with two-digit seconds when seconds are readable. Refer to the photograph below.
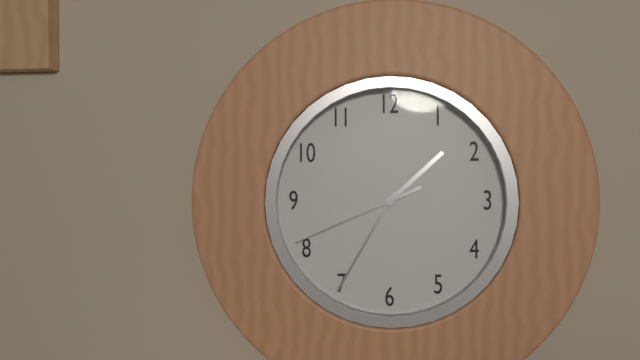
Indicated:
1,35,41
